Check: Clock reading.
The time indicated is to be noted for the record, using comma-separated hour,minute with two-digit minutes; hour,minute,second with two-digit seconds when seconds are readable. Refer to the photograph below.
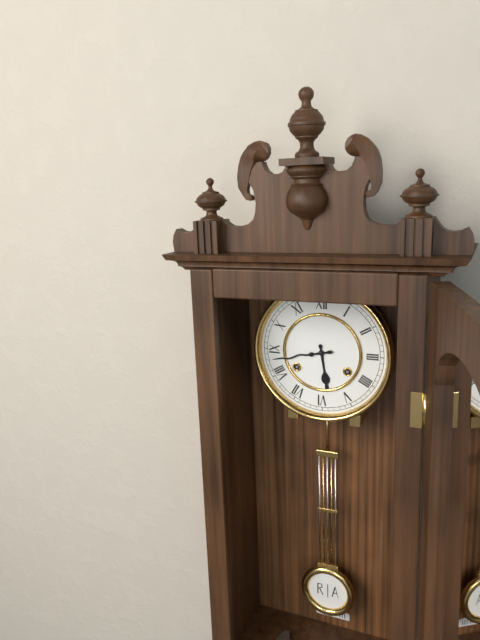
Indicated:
5,43
